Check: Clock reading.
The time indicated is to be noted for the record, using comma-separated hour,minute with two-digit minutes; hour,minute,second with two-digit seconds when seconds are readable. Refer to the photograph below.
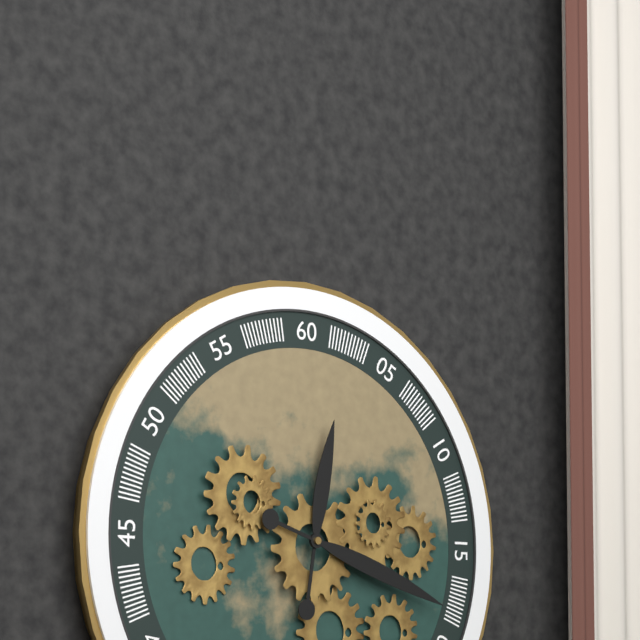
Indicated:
12,18
